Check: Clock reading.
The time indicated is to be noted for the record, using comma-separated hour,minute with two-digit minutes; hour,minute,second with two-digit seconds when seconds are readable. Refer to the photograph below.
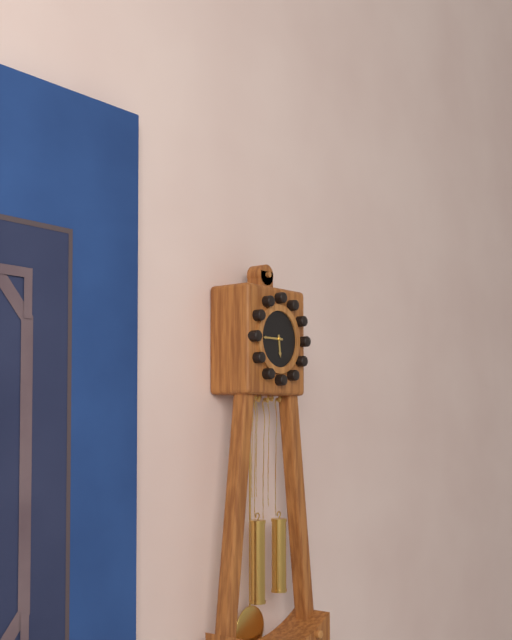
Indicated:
5,45
